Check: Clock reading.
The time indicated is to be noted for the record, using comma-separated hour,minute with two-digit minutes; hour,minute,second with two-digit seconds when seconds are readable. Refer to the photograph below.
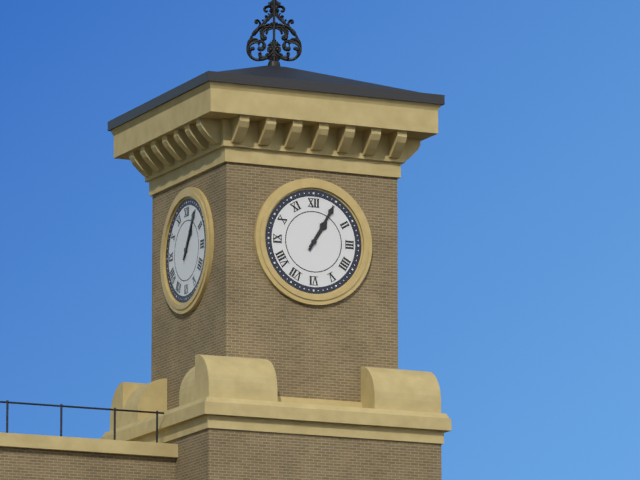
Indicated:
1,05
